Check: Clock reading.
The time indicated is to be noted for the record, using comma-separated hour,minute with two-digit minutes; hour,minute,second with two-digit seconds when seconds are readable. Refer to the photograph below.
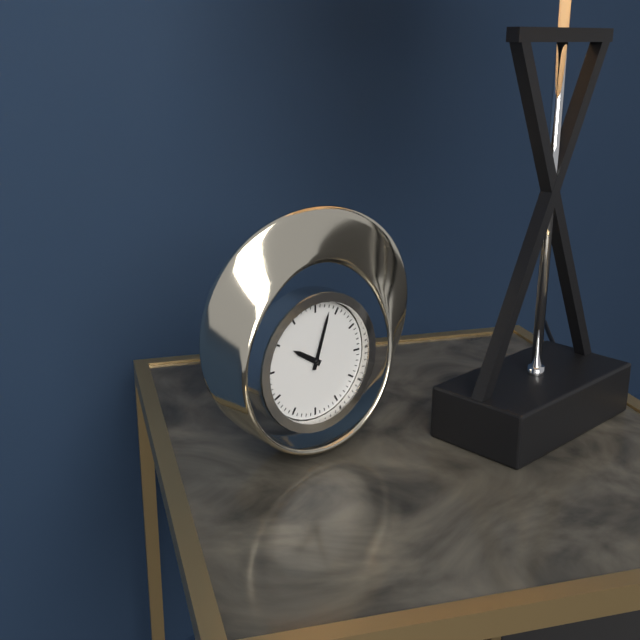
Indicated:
10,03
